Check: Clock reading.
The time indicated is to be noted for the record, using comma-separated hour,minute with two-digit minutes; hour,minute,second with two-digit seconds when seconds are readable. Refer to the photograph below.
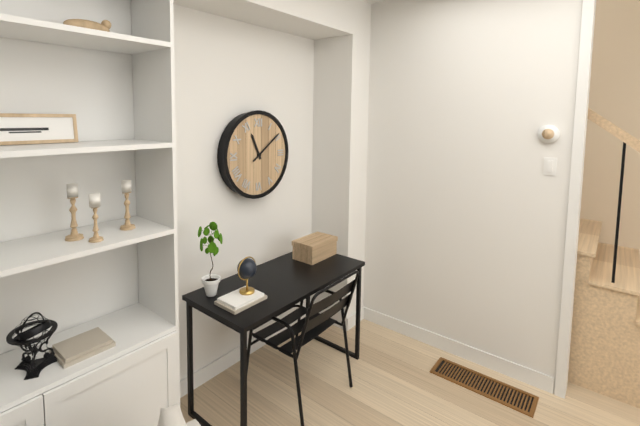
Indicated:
11,09
